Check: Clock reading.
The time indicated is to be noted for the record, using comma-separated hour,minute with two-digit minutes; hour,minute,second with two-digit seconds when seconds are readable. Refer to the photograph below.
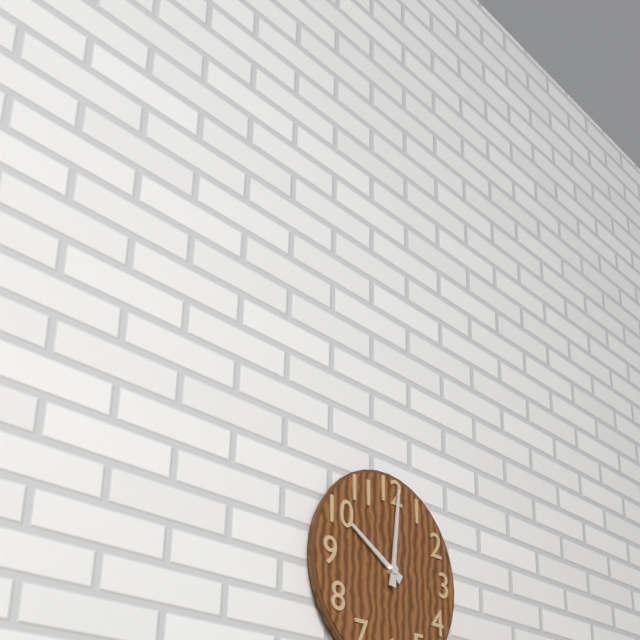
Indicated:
10,01
